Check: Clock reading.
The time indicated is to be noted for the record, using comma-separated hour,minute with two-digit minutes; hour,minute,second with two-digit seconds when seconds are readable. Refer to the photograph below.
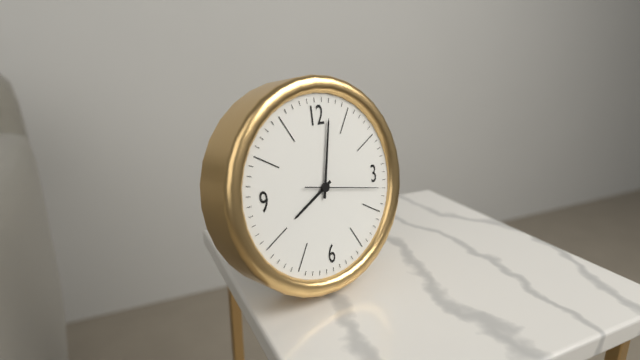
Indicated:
8,02,17
